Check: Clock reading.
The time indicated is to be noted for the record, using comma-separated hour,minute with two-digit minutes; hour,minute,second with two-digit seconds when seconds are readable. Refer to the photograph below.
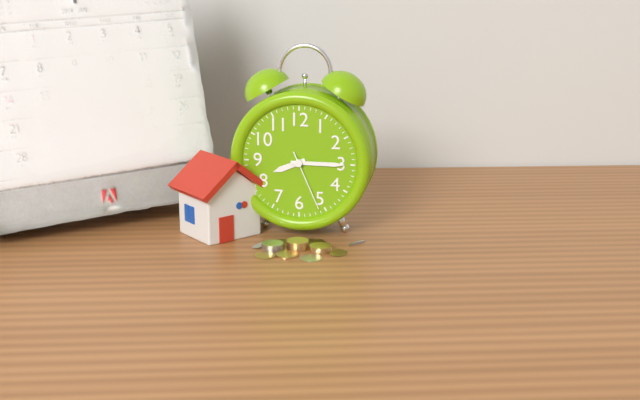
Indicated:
8,15,26
